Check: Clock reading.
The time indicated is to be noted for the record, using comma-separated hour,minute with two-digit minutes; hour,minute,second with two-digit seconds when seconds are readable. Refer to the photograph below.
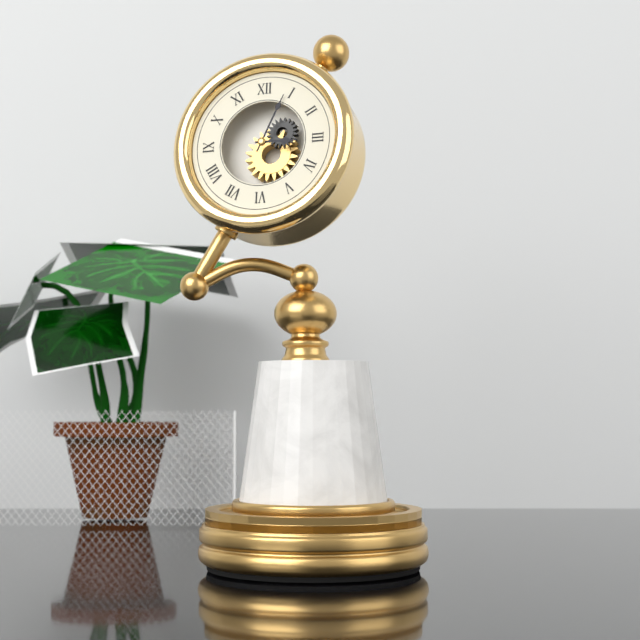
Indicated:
3,04
